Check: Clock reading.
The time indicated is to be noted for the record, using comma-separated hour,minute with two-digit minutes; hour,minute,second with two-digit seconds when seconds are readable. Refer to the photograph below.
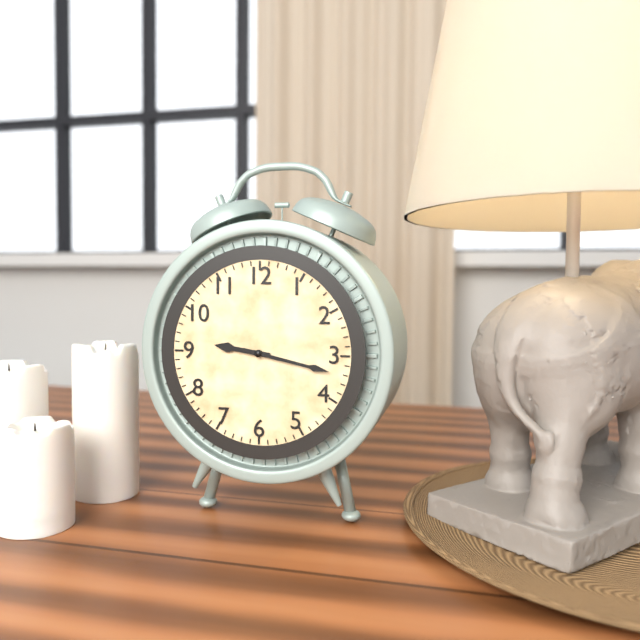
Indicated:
9,17
